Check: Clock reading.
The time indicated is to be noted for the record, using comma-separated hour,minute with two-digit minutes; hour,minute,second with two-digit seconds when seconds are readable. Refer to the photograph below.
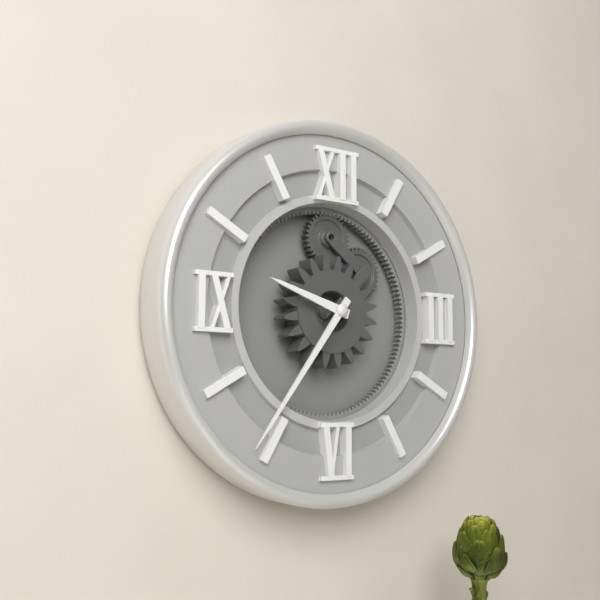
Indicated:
9,36
